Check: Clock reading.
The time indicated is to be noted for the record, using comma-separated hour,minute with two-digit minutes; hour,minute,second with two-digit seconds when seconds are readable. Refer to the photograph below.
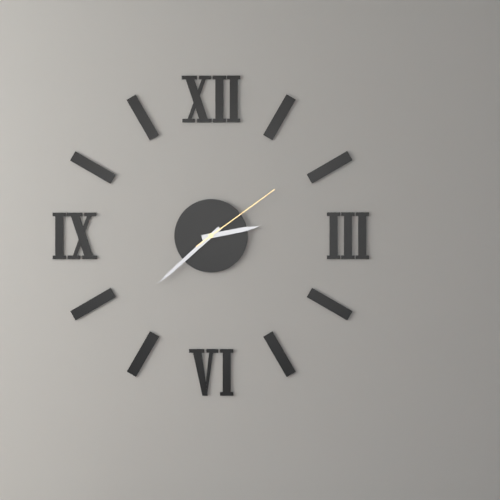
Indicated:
2,38,09
